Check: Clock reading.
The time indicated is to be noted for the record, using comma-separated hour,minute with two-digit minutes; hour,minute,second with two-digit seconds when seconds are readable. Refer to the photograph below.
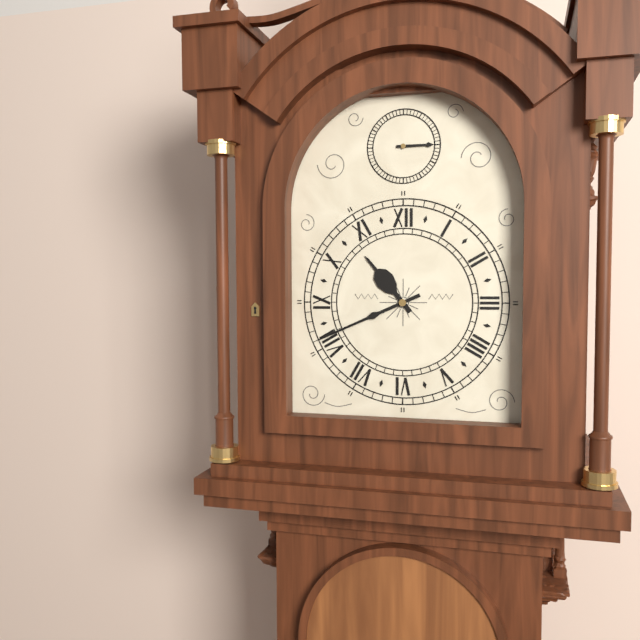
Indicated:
10,41
